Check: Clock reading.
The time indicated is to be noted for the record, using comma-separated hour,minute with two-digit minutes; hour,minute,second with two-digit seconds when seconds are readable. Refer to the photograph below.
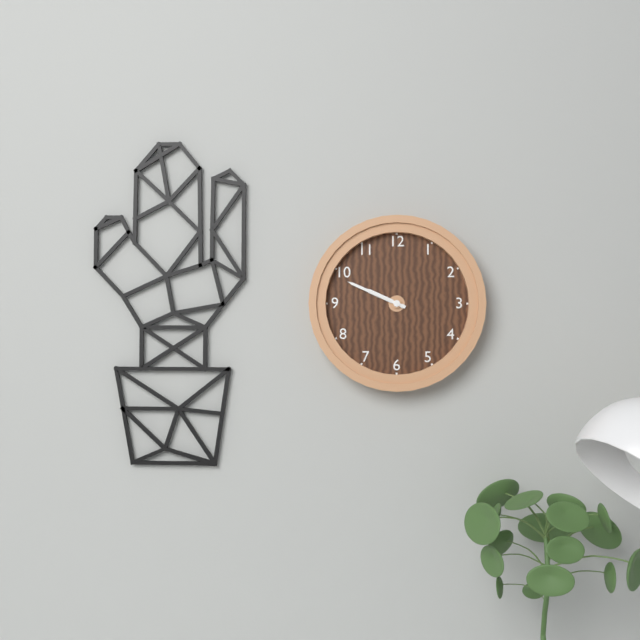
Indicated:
9,49
